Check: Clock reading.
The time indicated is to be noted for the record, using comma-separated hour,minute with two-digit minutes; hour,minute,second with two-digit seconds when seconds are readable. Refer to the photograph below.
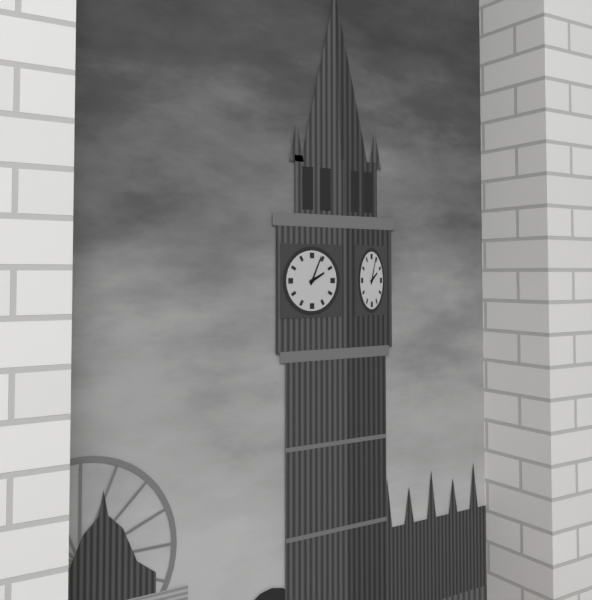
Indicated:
2,04
